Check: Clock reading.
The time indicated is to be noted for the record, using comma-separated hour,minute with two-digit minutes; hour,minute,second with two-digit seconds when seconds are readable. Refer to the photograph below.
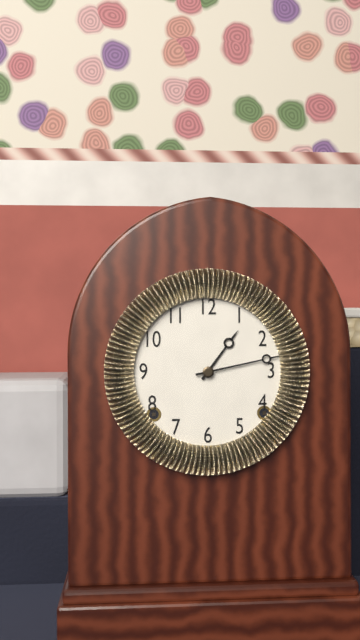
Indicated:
1,13
